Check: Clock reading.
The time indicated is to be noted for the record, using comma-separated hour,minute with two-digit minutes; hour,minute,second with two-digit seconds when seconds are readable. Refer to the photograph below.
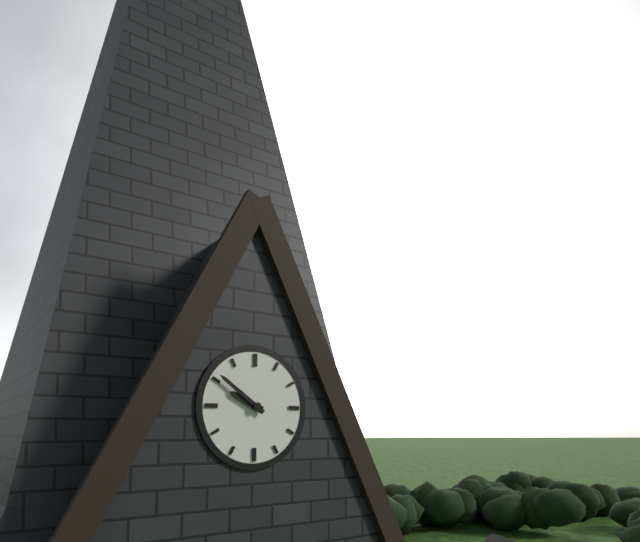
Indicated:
9,51
